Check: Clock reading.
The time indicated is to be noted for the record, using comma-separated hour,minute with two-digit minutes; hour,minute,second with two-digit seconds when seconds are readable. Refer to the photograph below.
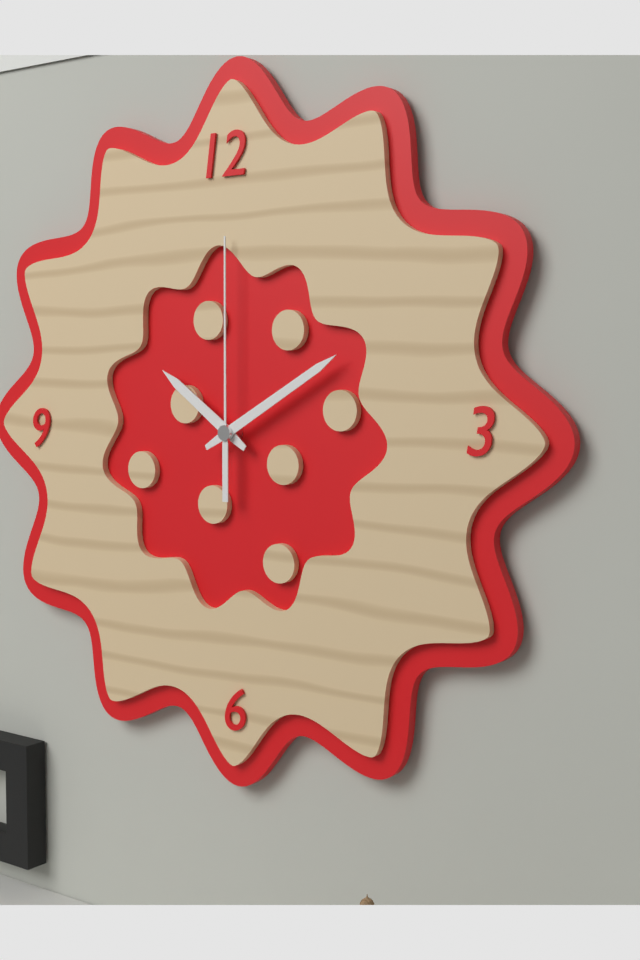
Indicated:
10,10,00
